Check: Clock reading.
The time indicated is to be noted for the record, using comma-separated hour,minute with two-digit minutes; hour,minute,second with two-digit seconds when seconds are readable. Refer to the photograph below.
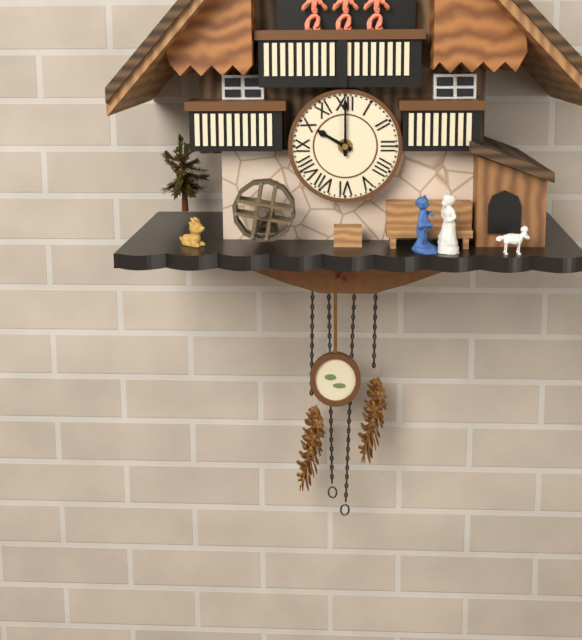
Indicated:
10,00
